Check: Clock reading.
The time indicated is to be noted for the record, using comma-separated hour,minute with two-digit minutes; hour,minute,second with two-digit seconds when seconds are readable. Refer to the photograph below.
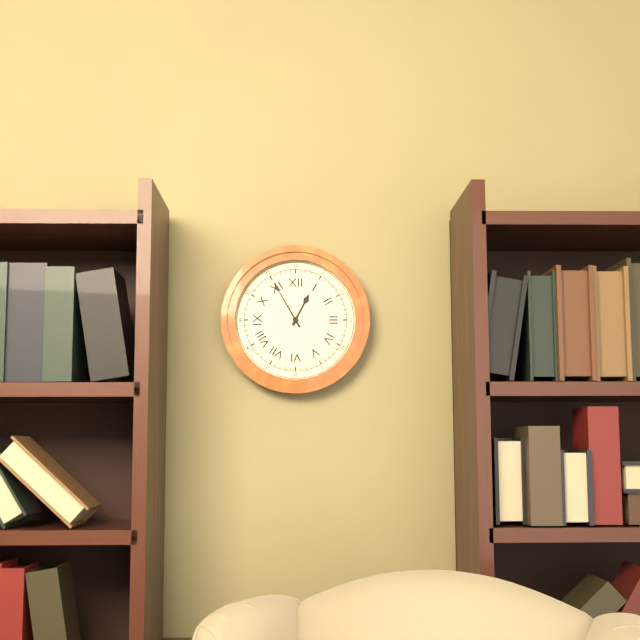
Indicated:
12,55
